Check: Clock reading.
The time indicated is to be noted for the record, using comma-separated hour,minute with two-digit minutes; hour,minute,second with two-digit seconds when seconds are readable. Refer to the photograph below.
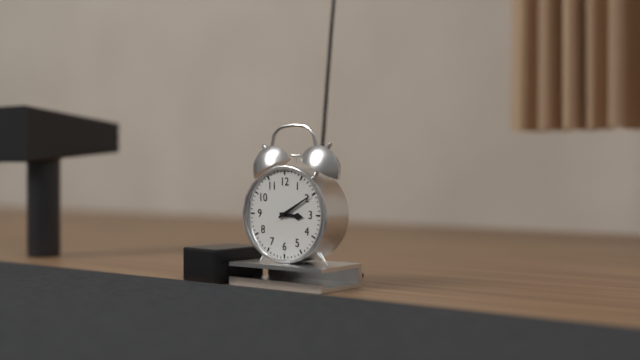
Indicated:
3,10
